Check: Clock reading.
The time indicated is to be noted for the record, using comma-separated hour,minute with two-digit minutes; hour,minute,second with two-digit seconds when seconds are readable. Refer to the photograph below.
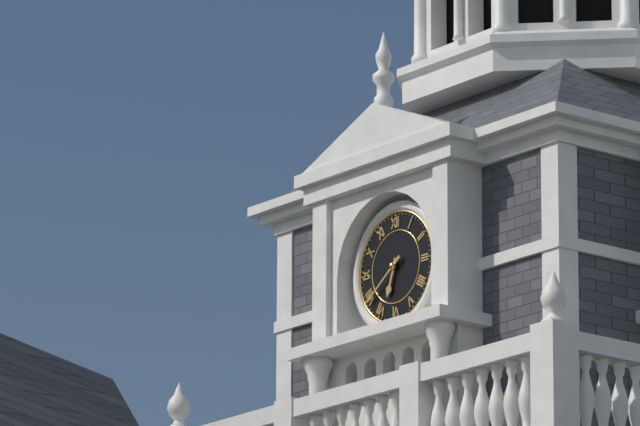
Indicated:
6,39
